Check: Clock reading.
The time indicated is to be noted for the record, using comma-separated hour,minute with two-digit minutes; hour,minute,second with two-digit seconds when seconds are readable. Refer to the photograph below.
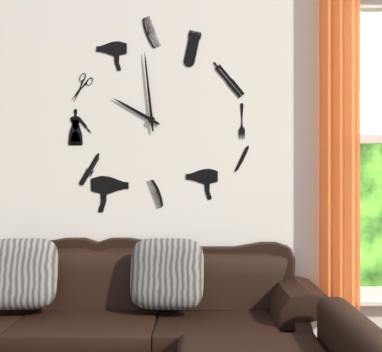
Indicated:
9,59
